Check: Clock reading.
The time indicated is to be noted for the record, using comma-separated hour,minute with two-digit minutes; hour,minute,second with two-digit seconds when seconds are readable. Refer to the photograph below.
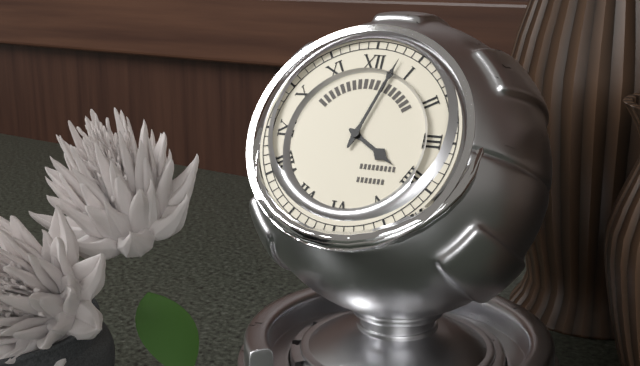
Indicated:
4,03
